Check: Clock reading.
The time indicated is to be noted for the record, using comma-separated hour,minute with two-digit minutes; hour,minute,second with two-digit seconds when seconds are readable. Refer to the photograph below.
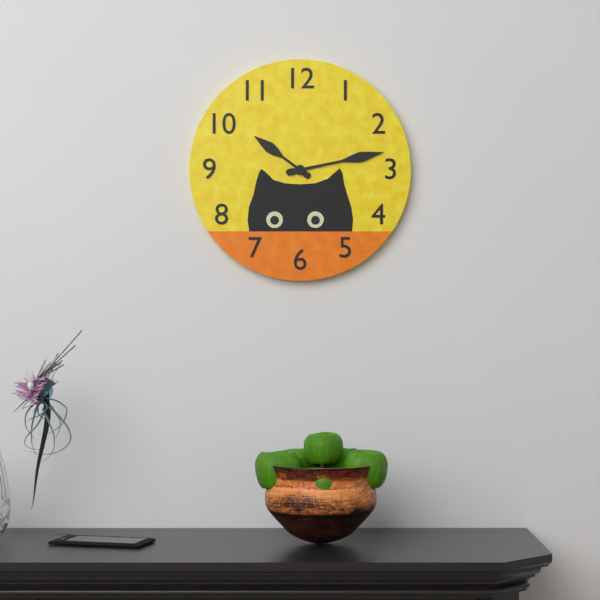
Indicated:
10,13
